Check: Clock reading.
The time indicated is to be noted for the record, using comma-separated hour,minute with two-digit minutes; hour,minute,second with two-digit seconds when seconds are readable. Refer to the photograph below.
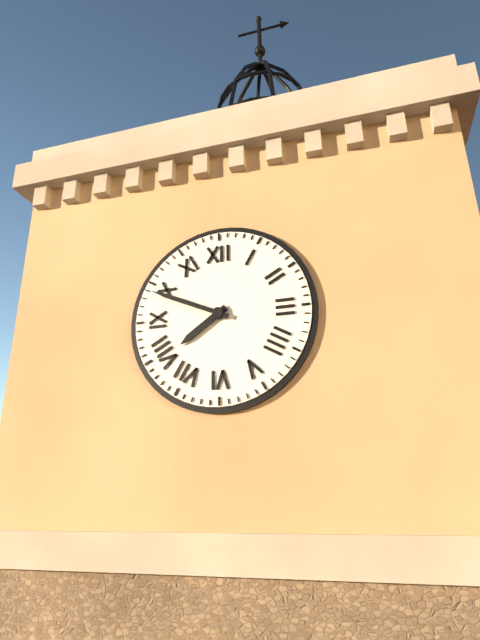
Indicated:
7,49
